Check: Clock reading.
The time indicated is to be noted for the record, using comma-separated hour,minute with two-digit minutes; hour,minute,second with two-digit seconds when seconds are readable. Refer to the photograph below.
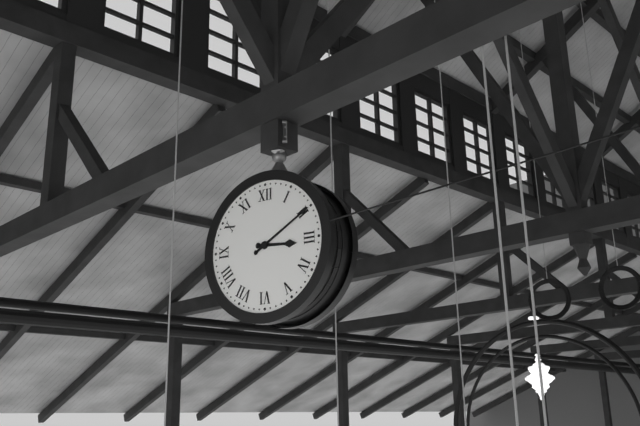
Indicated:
3,10
